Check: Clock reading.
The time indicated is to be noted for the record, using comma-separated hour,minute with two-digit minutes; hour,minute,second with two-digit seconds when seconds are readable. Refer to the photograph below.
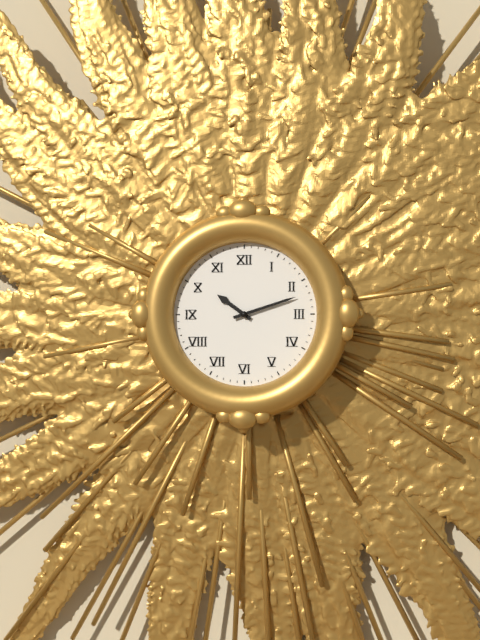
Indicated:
10,12
